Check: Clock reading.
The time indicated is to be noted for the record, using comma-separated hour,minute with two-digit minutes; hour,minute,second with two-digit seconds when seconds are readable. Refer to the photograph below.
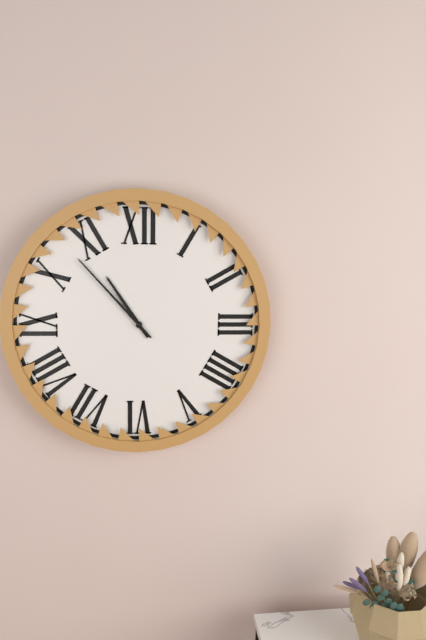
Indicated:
10,53
